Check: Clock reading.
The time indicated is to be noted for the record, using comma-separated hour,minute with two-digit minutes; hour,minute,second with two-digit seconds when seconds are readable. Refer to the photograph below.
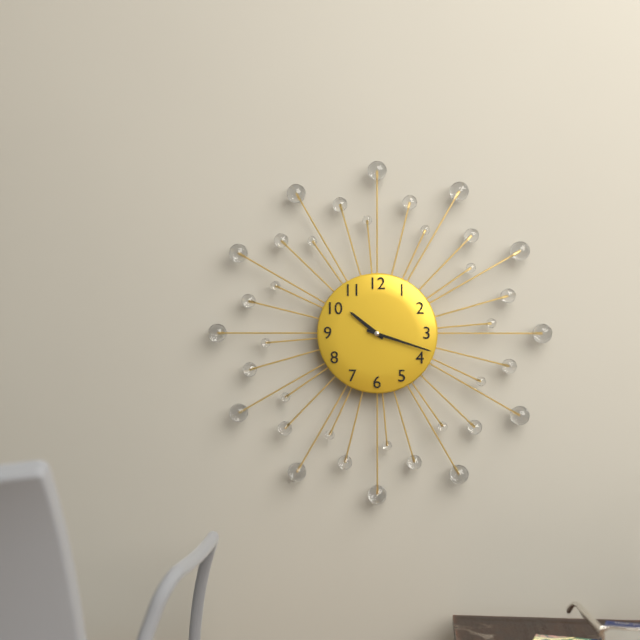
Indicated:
10,18
